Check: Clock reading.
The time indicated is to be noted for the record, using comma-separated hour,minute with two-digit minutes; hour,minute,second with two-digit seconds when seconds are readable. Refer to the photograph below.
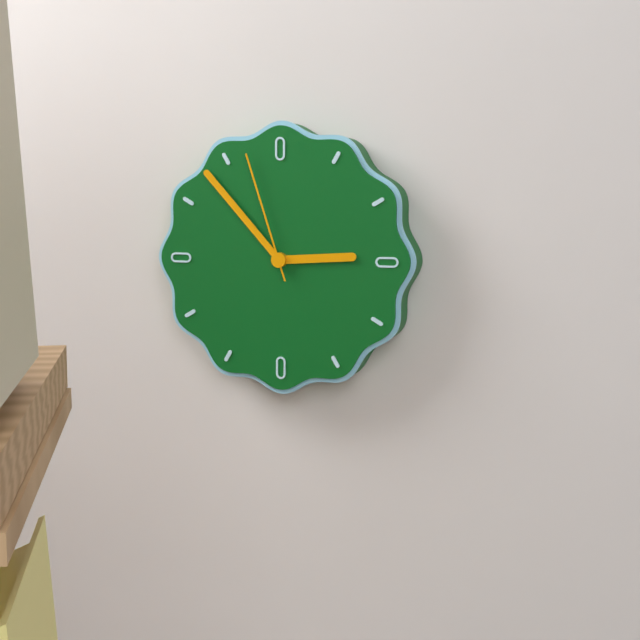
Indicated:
2,53,57
